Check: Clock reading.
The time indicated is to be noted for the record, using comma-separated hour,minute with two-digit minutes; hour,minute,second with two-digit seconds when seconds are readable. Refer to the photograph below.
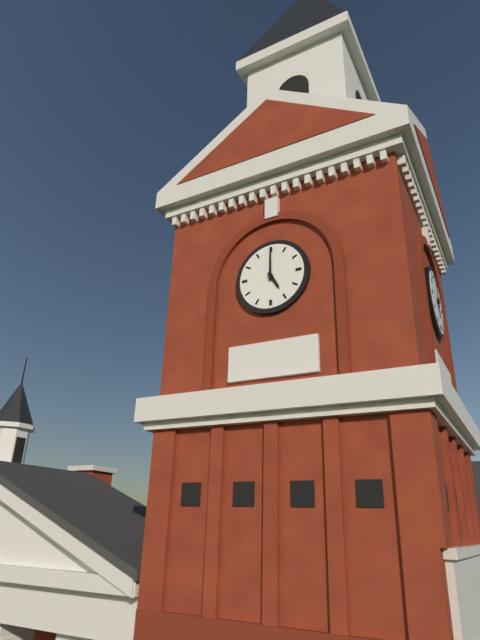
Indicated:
5,00
